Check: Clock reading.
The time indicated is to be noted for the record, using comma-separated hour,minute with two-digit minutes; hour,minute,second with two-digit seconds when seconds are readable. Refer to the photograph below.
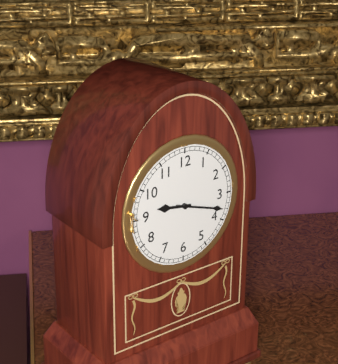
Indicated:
9,18
